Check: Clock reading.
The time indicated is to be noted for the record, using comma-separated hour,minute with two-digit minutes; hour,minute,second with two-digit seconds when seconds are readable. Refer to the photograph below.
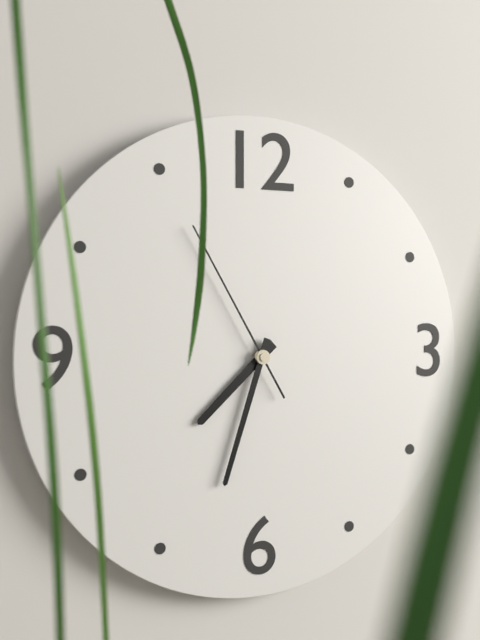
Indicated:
7,33,55
